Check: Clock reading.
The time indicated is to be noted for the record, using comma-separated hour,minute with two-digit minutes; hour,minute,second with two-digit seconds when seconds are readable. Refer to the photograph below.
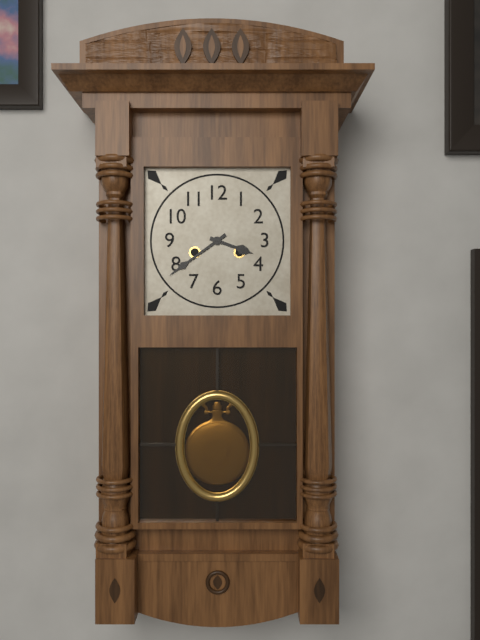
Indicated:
3,39
